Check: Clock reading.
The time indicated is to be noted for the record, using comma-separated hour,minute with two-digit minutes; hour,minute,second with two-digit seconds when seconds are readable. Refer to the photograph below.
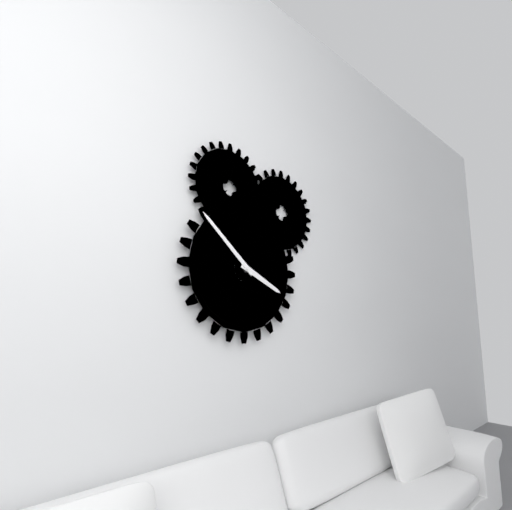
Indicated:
3,52
